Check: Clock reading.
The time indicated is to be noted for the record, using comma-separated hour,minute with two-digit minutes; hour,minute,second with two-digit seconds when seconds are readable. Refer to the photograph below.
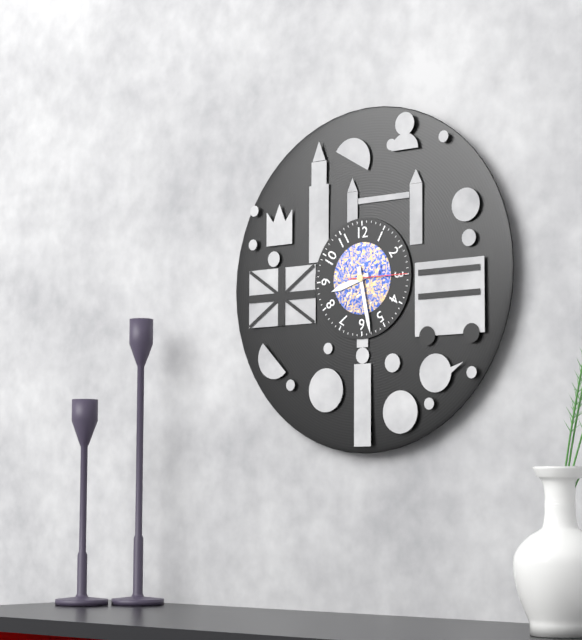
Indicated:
8,28,15
